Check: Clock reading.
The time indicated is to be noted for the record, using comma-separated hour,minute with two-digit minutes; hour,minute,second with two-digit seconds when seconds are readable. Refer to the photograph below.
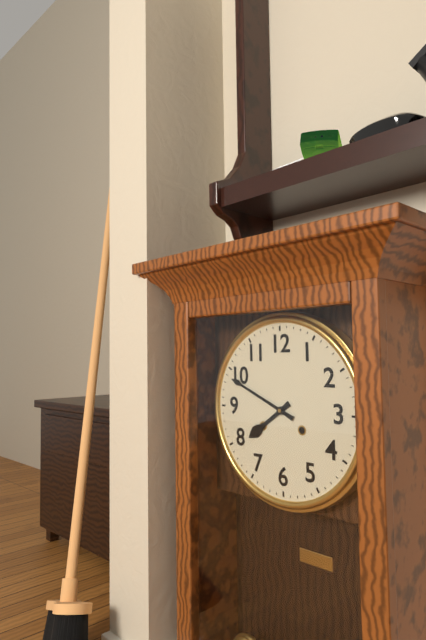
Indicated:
7,49
